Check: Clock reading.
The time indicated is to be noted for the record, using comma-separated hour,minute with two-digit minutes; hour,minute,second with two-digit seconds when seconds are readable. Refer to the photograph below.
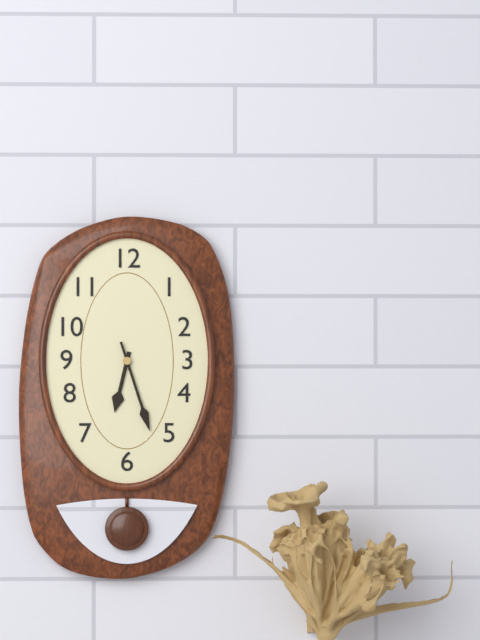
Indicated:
6,27
